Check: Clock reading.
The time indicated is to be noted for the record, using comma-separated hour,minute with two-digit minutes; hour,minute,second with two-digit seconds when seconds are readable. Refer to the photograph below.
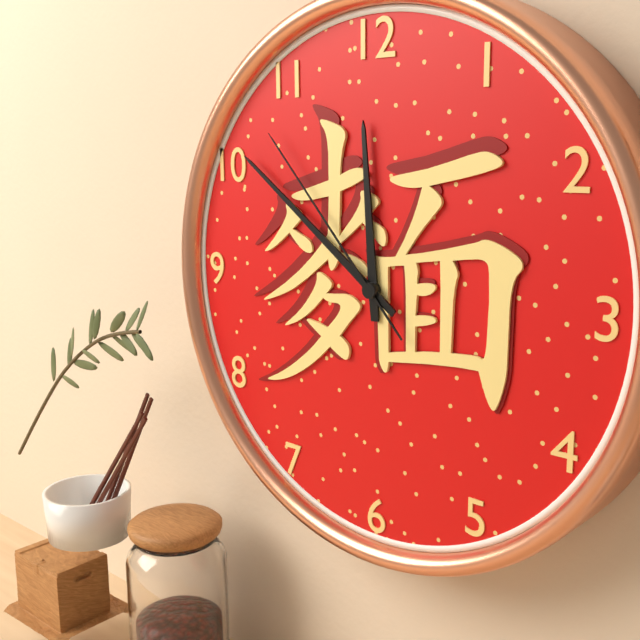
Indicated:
11,51,53
